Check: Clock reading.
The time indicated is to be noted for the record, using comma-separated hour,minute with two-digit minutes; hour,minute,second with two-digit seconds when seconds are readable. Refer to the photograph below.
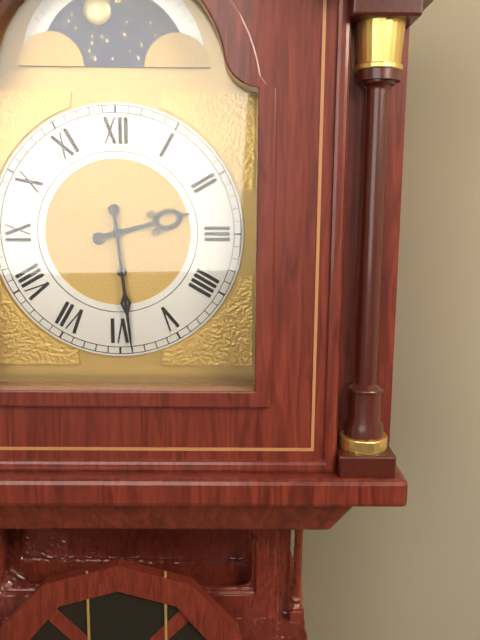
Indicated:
2,29
